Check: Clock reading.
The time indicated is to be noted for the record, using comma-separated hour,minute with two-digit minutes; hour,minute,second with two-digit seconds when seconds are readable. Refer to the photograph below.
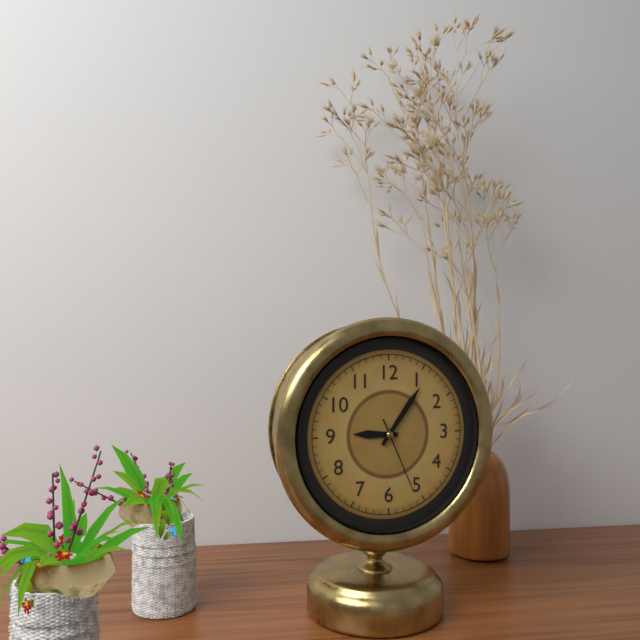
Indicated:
9,06,26
